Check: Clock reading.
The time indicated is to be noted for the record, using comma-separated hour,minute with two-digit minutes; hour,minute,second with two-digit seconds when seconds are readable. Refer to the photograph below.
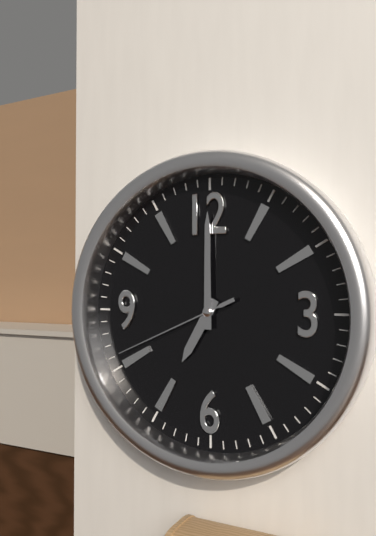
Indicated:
7,00,41
